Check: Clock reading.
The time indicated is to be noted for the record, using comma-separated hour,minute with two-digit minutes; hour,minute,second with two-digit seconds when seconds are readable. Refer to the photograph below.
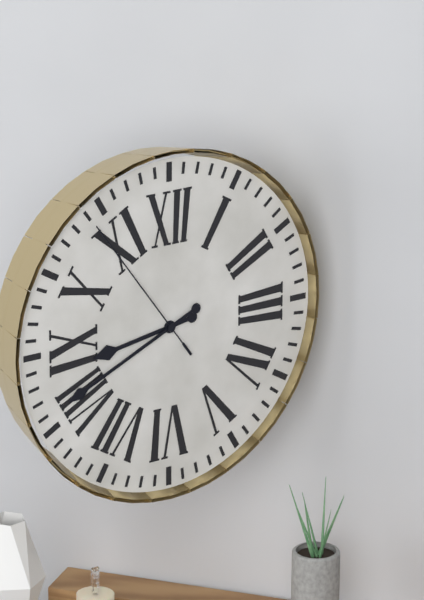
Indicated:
8,41,54
